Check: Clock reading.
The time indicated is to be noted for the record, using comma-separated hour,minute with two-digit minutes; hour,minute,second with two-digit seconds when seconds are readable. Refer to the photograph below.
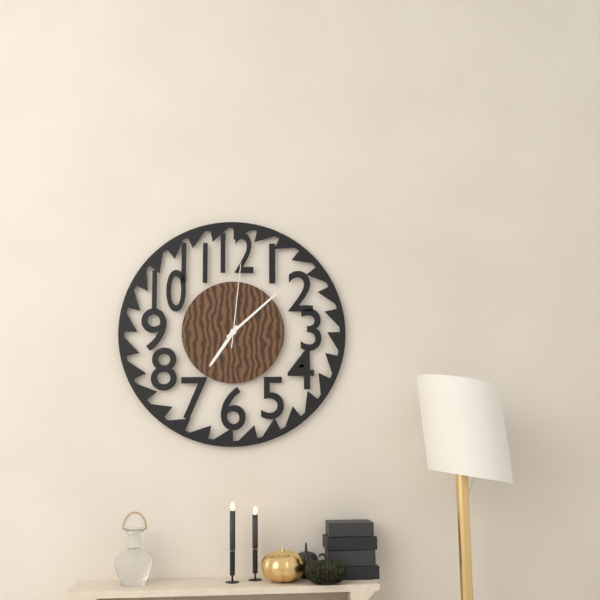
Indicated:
7,08,01
